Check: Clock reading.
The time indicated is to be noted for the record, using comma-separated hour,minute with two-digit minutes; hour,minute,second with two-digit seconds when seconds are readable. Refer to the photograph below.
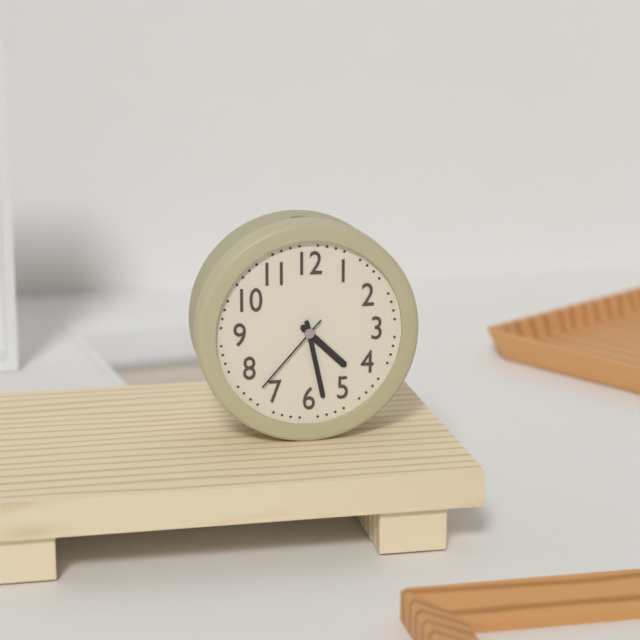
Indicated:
4,28,37
